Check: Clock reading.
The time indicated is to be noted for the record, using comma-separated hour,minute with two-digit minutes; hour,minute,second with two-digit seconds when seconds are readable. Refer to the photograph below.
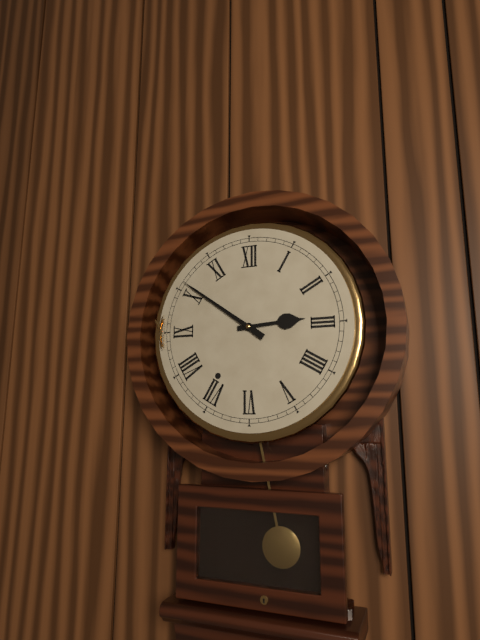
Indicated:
2,51
